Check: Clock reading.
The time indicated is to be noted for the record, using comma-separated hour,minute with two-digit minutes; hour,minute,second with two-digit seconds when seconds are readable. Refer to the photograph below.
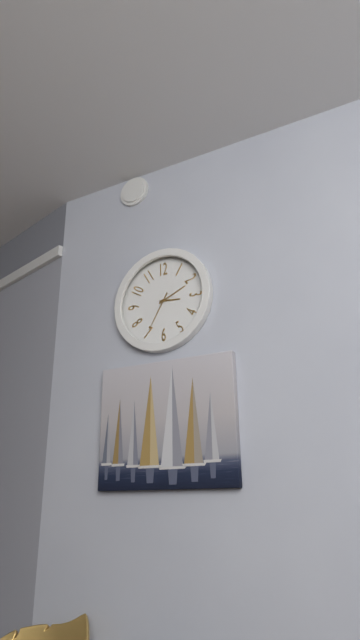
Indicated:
3,11
